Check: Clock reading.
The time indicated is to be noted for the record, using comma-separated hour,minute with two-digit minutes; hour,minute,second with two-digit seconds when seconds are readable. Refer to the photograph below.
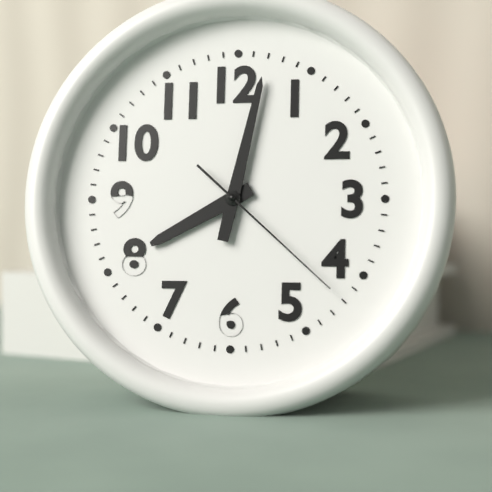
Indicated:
8,02,22
